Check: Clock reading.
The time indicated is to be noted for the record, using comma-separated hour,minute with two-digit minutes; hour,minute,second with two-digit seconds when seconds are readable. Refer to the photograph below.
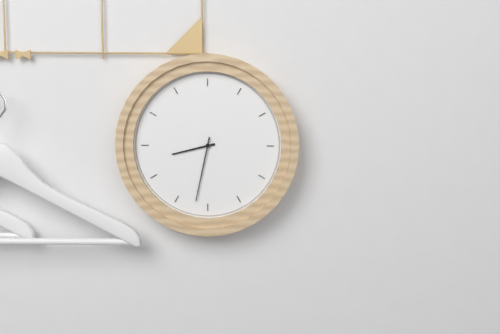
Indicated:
8,32
